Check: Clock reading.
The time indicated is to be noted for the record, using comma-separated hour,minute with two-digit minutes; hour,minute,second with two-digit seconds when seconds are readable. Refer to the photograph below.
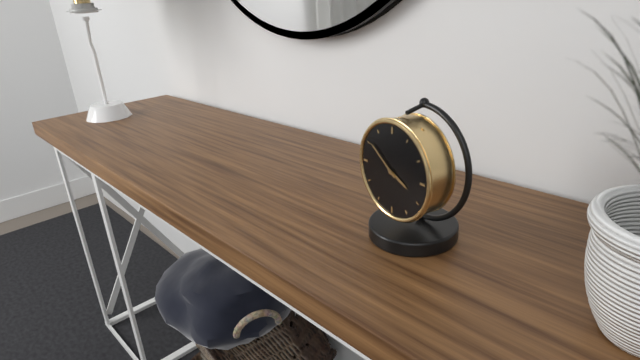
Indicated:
3,51
